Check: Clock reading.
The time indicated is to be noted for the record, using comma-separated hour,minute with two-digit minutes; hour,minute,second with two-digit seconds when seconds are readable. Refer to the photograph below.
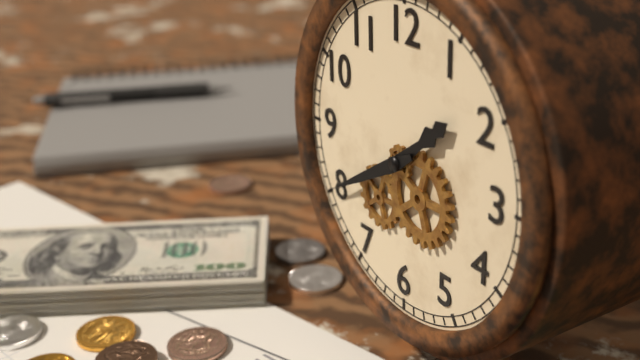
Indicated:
1,40
